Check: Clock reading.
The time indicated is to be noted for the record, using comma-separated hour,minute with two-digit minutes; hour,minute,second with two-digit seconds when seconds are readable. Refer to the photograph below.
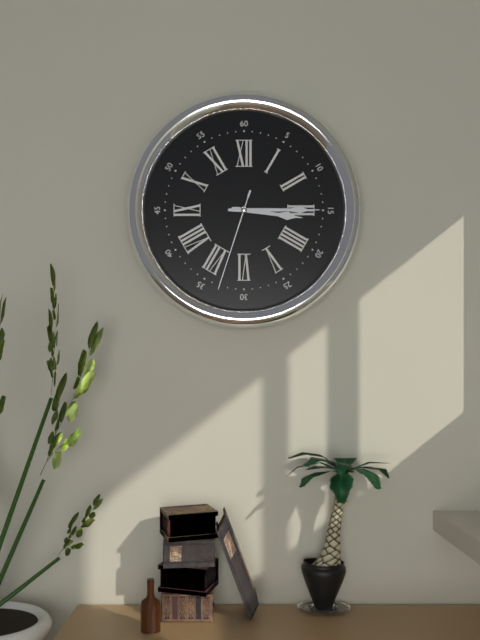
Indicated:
3,15,33
